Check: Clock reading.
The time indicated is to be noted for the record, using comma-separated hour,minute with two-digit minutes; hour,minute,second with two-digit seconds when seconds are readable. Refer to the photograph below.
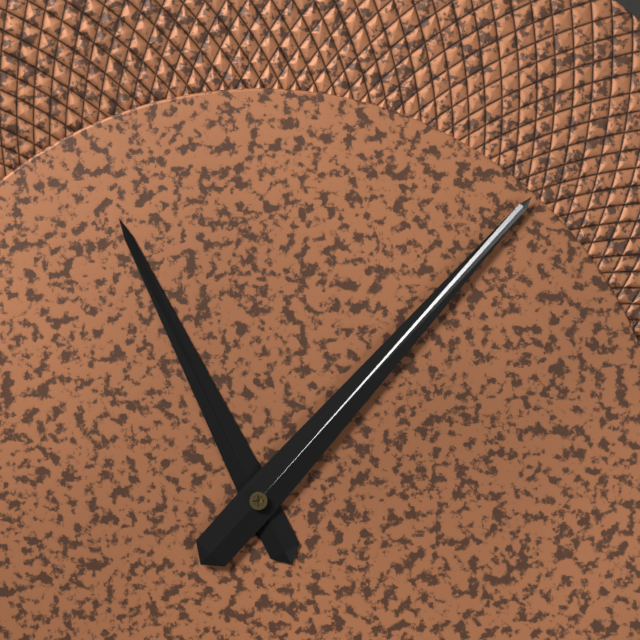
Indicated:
11,07
